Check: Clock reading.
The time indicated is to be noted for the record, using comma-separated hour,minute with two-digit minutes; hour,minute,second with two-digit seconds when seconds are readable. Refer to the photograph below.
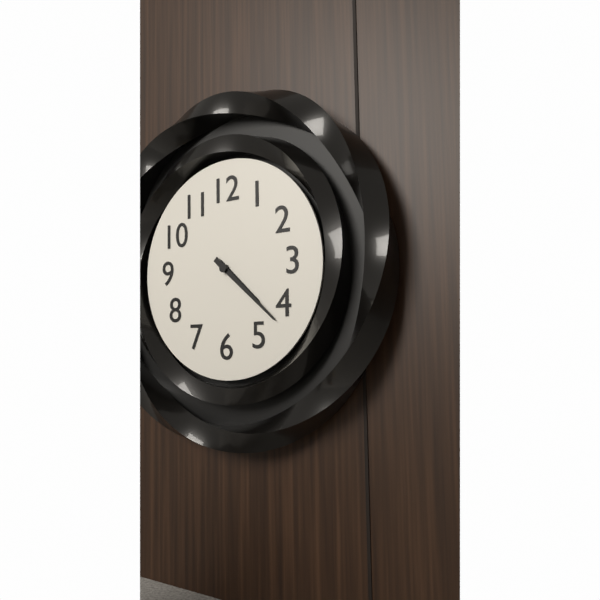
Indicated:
4,22
